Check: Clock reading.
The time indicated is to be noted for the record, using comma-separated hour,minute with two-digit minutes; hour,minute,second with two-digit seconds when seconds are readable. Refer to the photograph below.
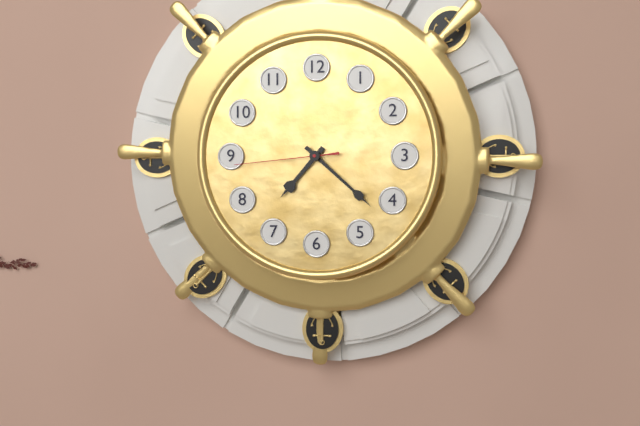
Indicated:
7,22,44
